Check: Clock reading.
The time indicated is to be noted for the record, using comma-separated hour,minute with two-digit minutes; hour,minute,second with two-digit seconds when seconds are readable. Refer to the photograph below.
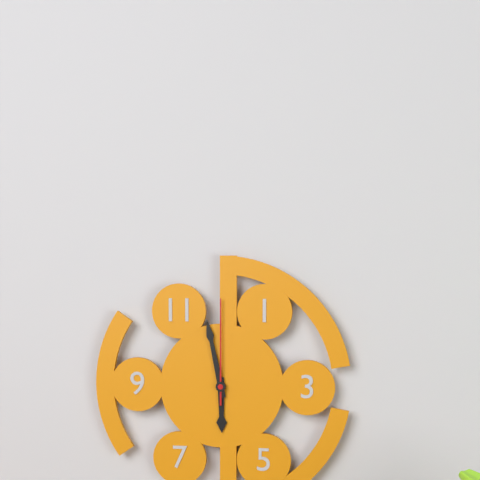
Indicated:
5,58,00
